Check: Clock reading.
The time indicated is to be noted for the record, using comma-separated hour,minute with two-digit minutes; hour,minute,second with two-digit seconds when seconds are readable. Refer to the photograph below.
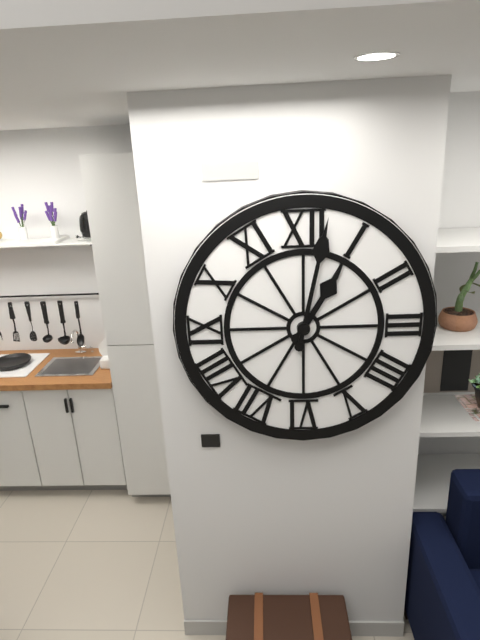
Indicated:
1,02
